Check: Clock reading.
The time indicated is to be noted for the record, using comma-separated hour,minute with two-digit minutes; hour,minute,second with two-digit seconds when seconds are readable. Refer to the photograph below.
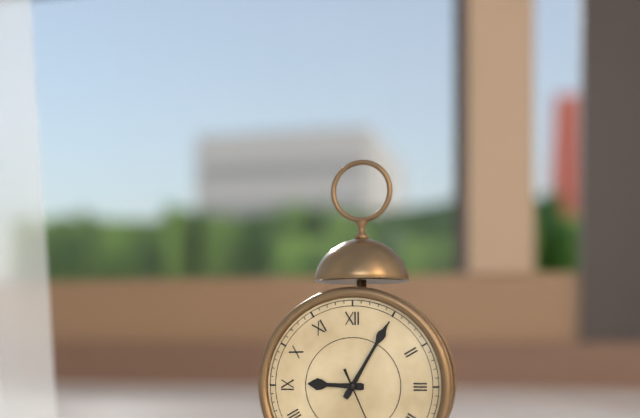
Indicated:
9,05
